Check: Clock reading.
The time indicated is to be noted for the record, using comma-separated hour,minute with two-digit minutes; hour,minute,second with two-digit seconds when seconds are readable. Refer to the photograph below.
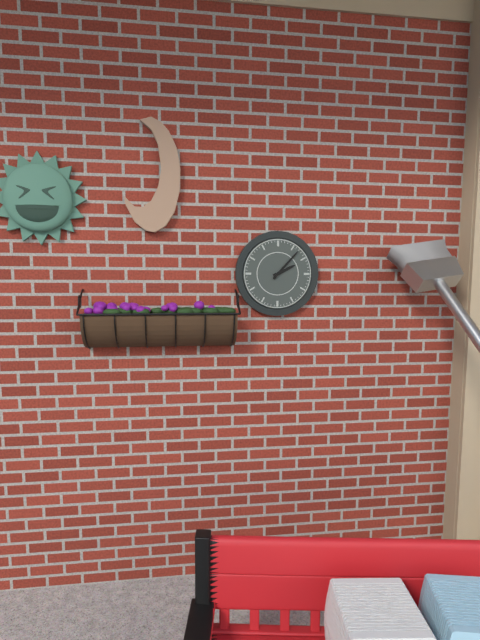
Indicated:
2,07
